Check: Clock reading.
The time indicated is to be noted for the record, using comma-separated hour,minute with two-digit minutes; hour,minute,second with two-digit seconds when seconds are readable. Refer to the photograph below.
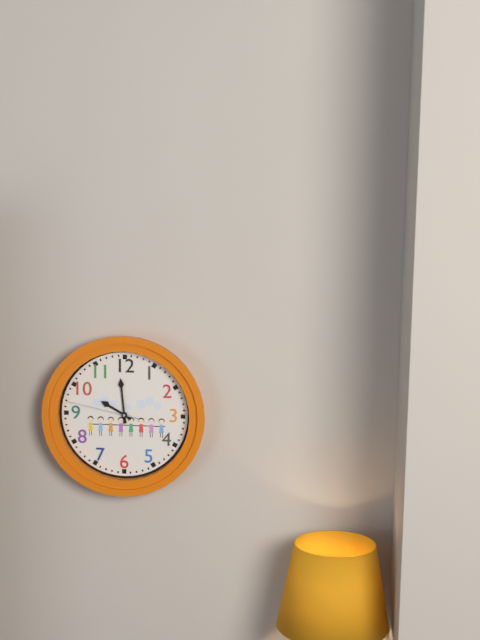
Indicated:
9,59,47
